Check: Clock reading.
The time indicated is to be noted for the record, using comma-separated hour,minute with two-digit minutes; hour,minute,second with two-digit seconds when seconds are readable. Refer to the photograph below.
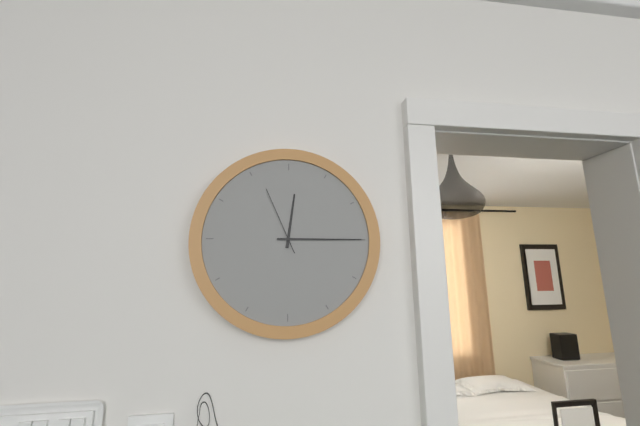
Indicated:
12,15,56
